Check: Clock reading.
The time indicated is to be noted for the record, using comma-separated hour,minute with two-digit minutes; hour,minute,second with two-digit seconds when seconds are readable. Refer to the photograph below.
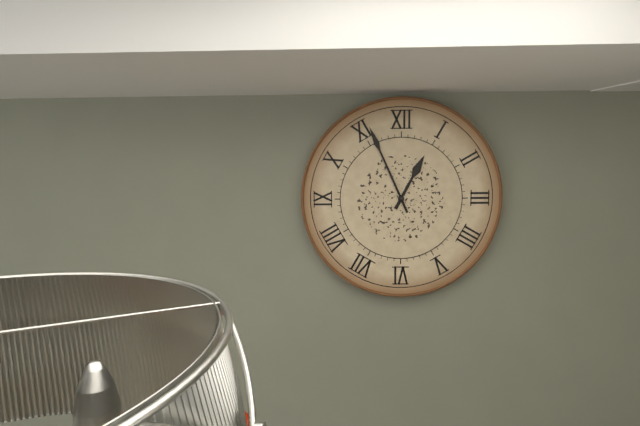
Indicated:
12,56
